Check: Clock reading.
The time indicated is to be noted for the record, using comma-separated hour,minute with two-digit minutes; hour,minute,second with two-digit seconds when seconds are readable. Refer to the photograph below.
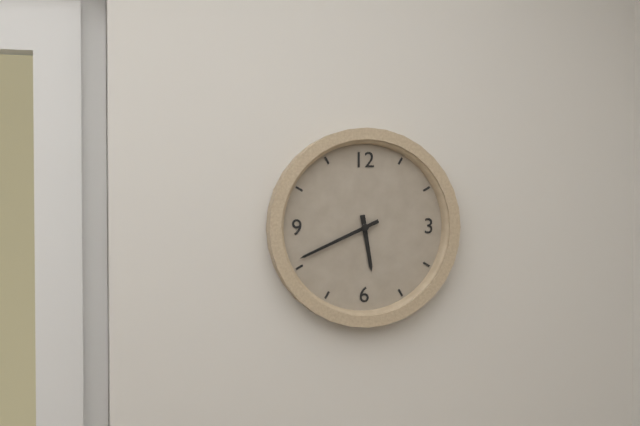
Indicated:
5,41
